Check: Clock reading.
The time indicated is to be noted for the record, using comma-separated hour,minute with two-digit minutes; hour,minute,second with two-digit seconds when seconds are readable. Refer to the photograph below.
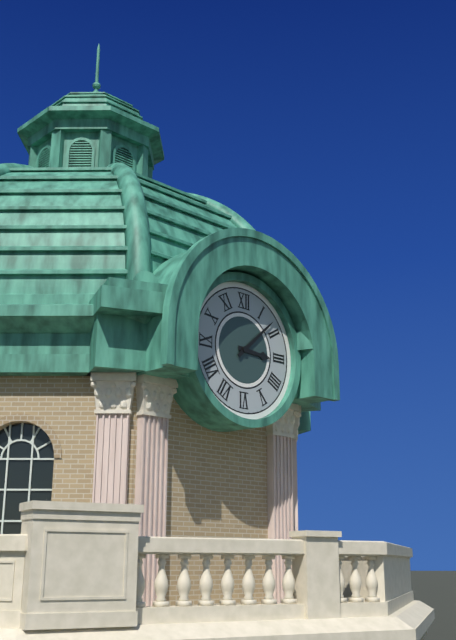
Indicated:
3,08
